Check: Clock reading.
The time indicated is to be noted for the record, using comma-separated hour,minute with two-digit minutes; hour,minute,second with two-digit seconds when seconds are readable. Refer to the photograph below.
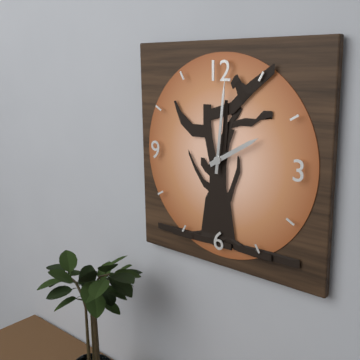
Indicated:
2,01
